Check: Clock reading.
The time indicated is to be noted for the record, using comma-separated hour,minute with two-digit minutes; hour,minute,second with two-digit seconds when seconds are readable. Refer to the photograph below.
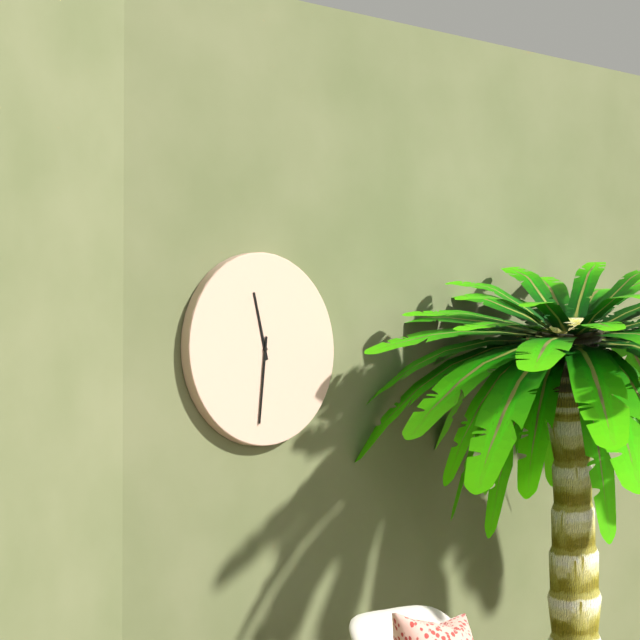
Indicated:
11,31
